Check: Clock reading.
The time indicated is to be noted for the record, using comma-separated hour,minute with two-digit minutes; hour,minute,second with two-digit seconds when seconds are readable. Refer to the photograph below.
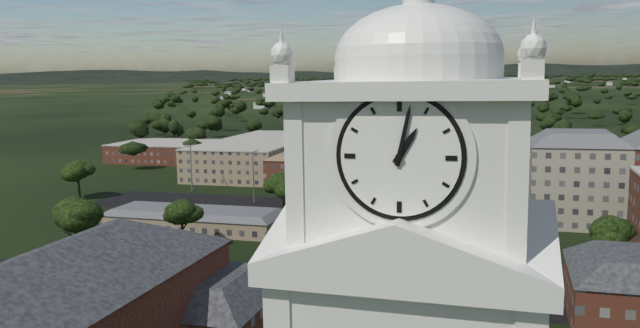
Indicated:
1,02
